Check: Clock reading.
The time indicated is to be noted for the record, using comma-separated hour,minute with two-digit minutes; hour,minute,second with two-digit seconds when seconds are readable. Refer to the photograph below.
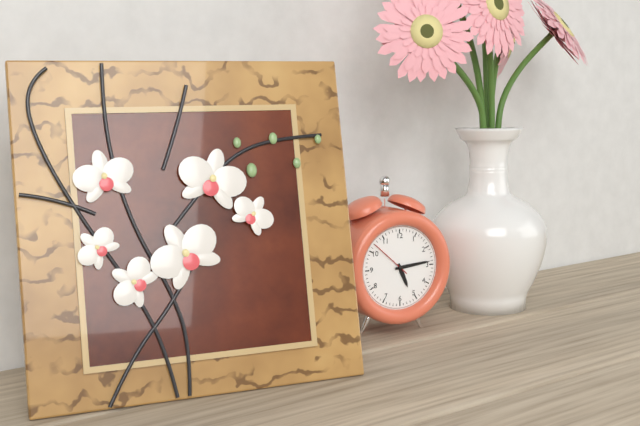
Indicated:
5,14
